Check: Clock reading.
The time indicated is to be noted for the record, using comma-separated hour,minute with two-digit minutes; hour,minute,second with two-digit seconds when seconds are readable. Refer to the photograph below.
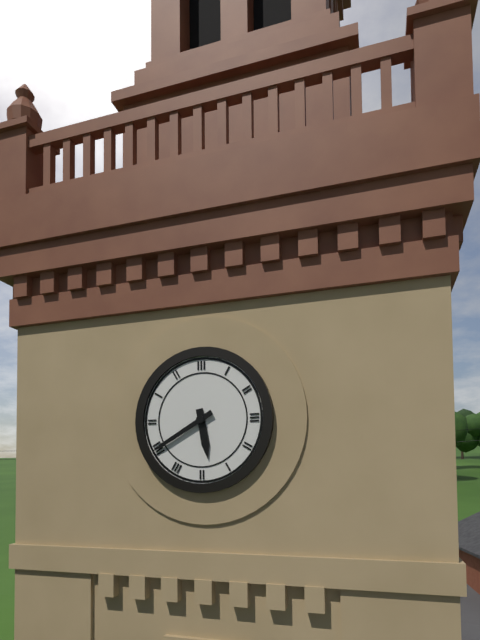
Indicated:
5,40
